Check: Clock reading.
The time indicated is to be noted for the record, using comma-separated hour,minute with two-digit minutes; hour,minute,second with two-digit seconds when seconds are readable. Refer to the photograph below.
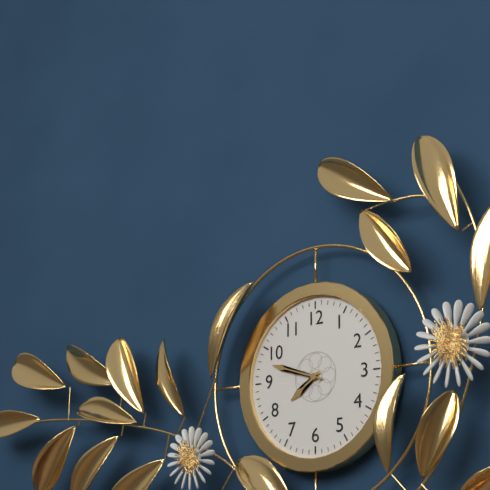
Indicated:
7,48
